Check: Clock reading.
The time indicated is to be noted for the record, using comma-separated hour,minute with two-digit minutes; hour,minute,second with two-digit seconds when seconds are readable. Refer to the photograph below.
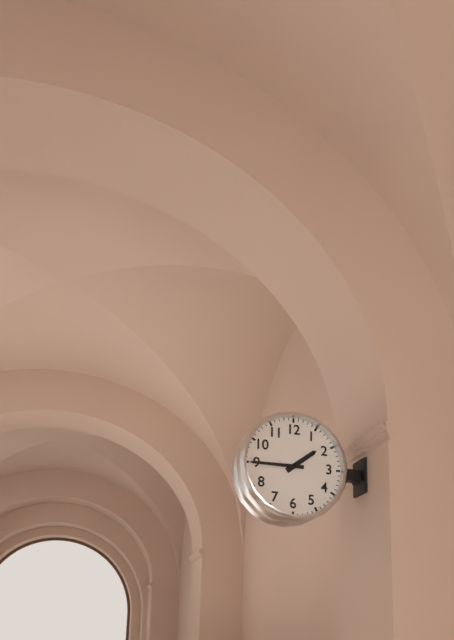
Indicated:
1,45
